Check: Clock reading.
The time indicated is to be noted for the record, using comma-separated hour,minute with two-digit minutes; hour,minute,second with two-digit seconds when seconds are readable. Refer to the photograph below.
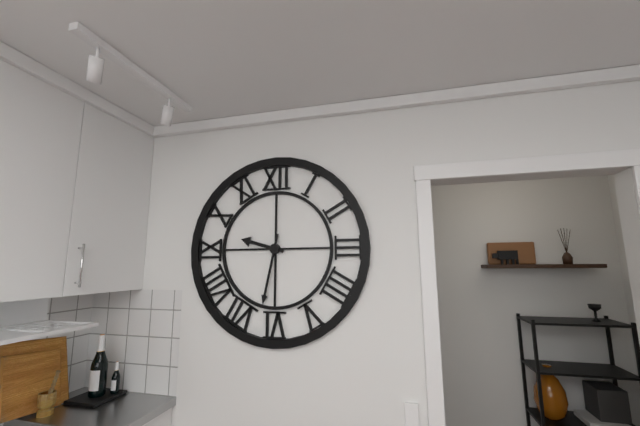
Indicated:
9,32
